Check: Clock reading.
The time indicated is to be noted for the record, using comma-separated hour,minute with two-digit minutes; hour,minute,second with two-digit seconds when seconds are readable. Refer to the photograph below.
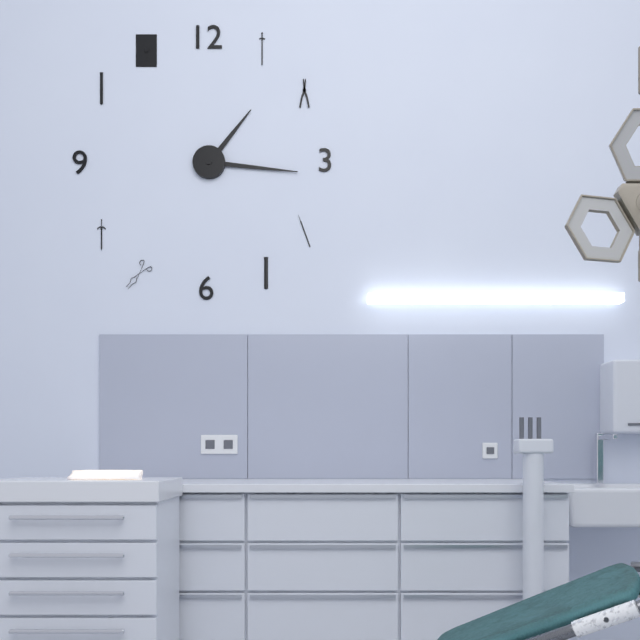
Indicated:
1,16
